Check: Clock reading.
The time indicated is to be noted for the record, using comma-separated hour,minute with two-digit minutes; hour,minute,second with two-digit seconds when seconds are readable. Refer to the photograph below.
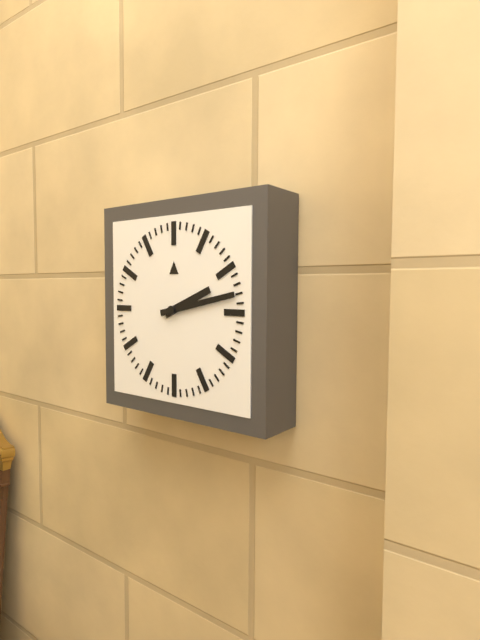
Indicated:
2,13
